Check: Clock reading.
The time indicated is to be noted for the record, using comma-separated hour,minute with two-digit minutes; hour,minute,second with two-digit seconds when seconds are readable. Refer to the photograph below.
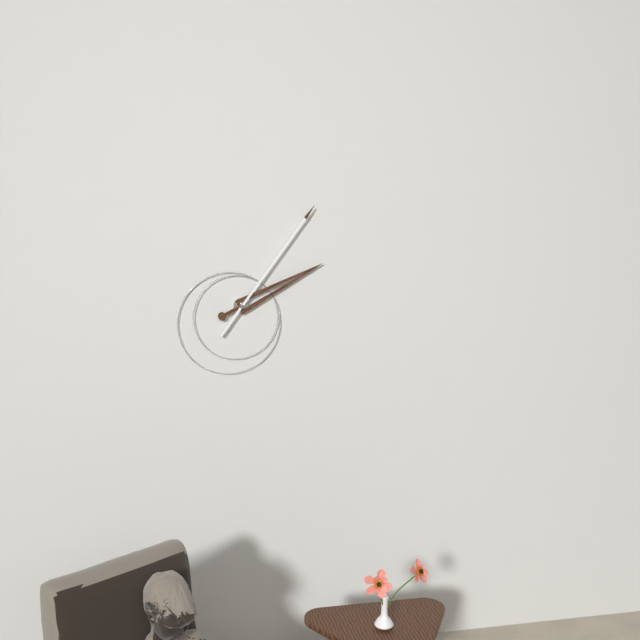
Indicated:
2,06
